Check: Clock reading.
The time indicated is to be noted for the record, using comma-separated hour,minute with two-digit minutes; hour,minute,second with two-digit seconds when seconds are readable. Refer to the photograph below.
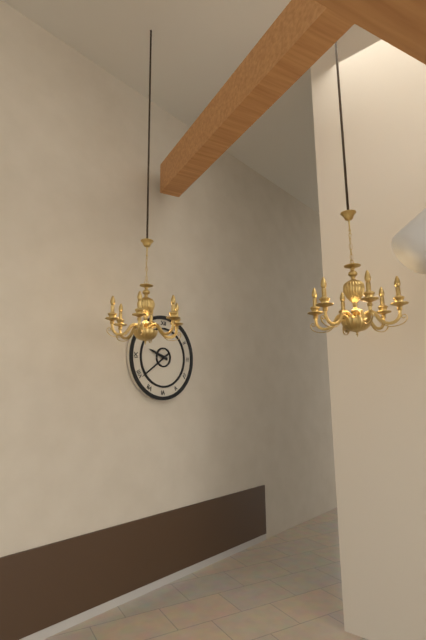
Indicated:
9,39
